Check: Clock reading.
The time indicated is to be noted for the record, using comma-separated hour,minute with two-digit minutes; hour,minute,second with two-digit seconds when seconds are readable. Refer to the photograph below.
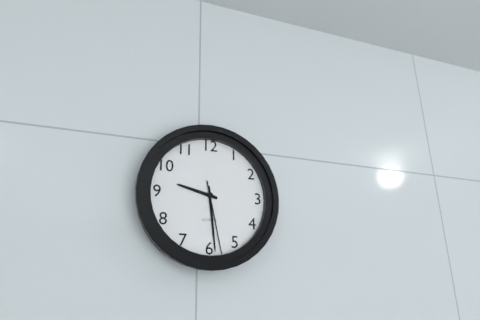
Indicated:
9,29,28
